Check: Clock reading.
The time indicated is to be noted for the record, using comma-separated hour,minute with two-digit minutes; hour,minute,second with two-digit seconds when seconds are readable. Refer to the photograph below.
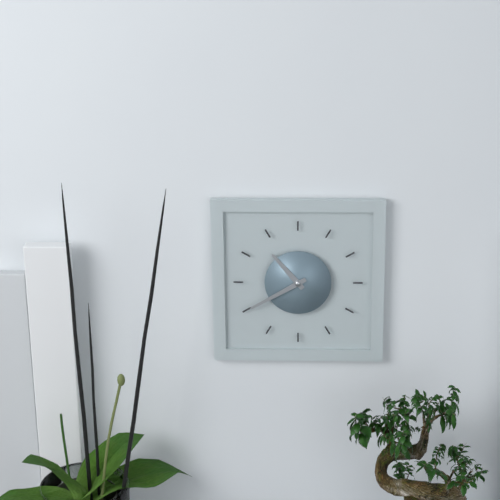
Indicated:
10,40
